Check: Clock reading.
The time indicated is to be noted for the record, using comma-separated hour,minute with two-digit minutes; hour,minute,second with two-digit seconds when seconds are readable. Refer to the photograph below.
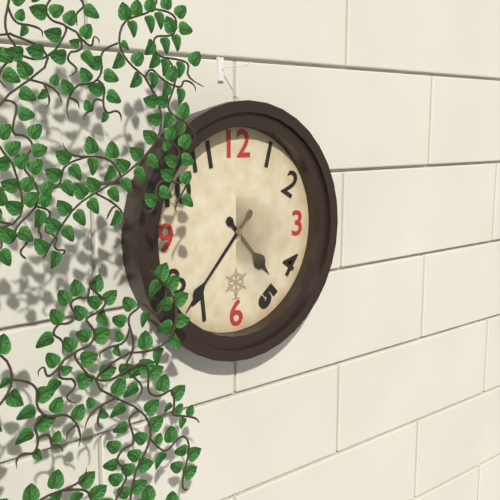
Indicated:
4,37
